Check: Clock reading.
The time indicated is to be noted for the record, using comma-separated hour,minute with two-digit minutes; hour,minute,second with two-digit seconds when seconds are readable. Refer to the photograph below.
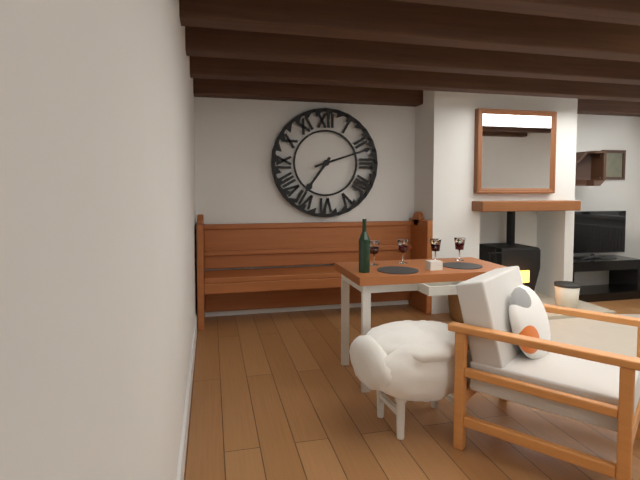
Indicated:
7,12
